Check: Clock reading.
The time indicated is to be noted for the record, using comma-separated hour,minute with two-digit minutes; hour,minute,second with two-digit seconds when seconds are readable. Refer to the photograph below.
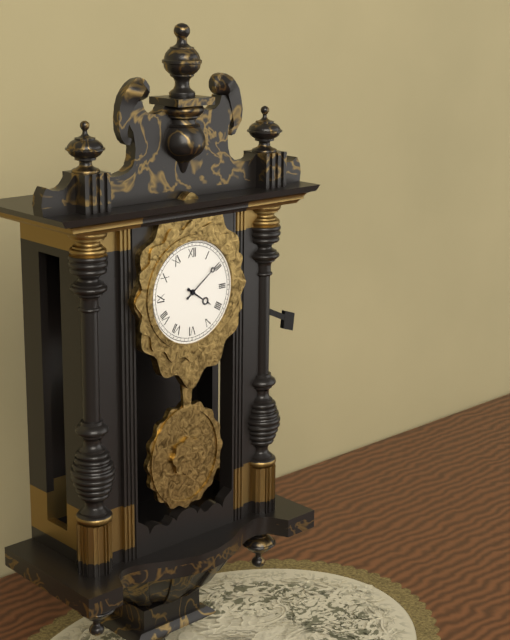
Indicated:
4,09
